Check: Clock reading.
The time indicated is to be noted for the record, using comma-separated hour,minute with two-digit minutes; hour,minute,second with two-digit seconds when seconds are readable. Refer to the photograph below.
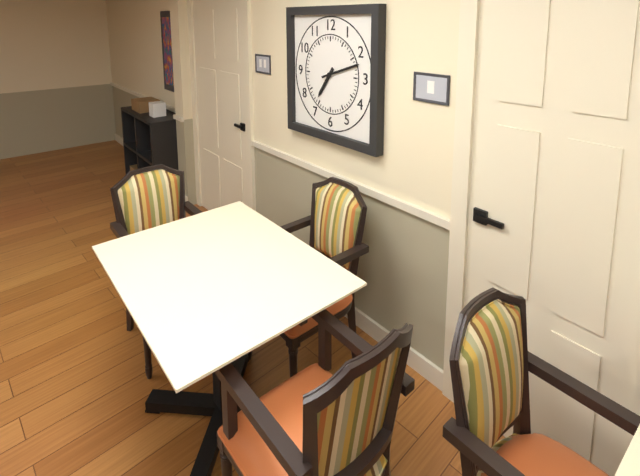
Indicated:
7,12
